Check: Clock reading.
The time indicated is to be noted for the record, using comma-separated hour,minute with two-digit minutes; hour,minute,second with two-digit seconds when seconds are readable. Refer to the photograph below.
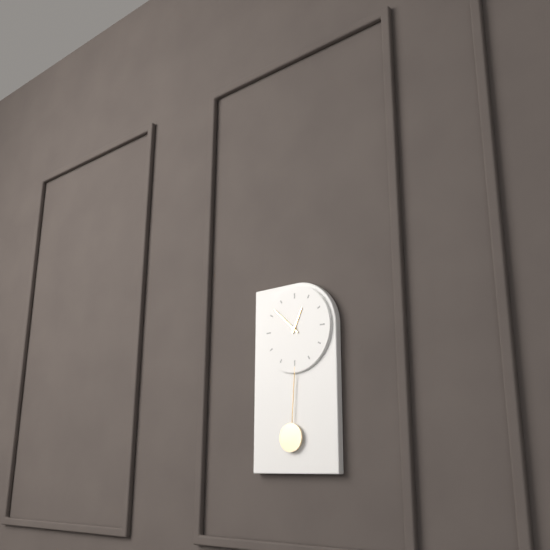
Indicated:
12,52
